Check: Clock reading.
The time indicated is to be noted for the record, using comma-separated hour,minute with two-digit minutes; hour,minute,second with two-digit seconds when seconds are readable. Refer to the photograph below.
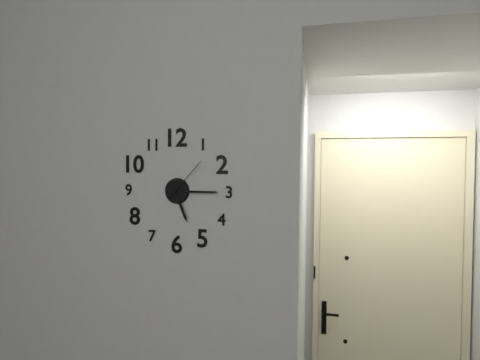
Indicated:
5,15
